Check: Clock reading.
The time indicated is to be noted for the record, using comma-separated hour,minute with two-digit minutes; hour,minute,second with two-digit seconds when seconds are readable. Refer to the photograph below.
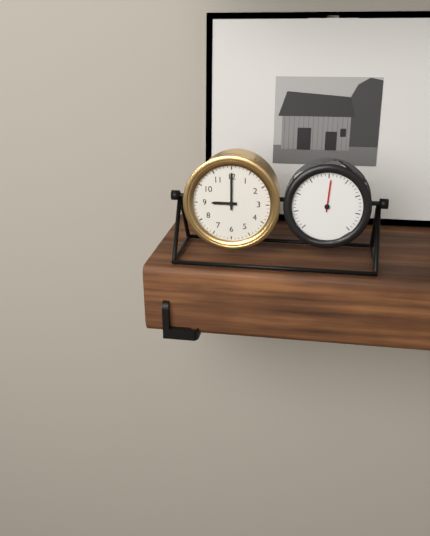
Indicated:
9,00
